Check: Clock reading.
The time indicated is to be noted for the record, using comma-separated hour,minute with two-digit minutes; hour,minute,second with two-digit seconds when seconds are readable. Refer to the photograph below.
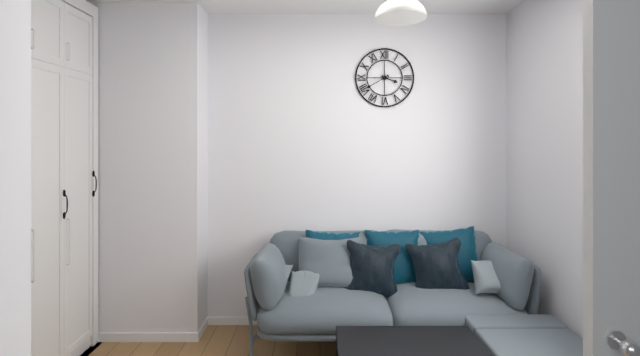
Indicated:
3,40
